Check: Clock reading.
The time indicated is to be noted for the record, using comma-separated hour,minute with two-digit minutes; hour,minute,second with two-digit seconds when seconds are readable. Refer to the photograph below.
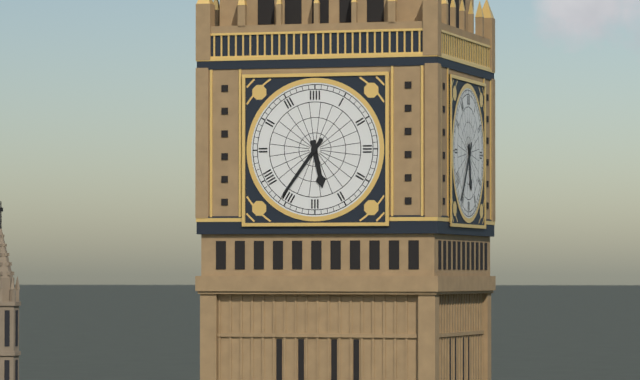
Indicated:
5,36
